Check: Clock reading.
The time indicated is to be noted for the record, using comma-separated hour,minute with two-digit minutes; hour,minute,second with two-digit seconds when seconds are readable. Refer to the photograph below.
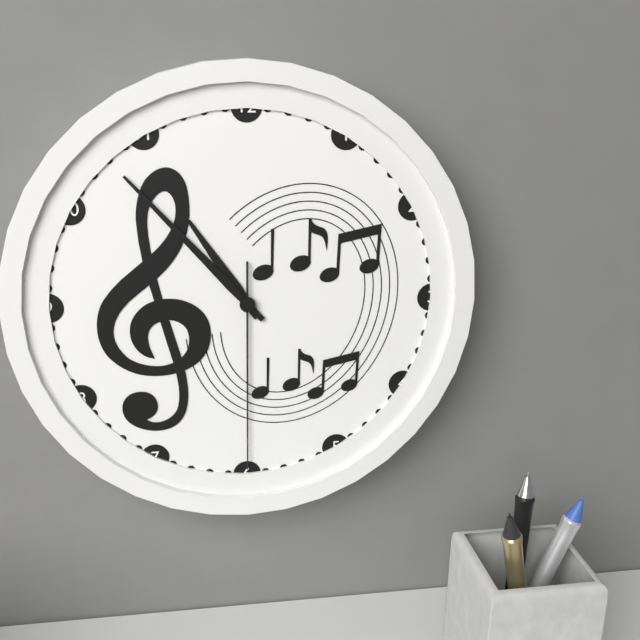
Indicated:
10,53,30
